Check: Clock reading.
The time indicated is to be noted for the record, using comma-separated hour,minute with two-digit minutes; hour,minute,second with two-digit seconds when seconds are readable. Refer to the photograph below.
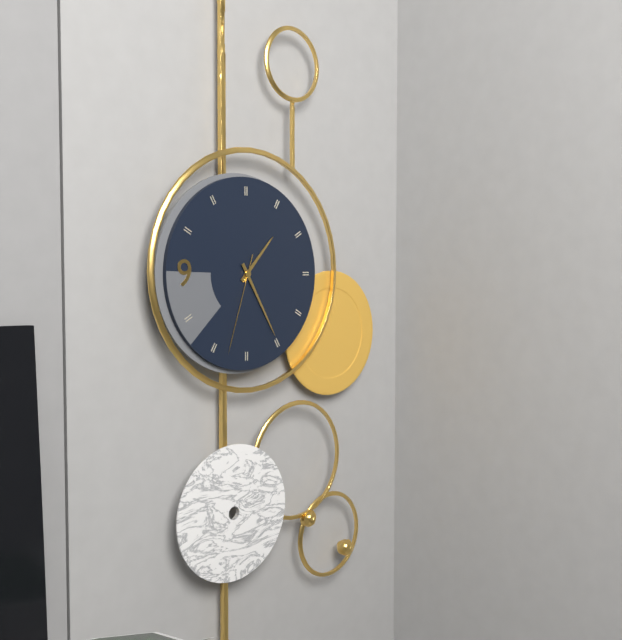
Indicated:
1,25,33
